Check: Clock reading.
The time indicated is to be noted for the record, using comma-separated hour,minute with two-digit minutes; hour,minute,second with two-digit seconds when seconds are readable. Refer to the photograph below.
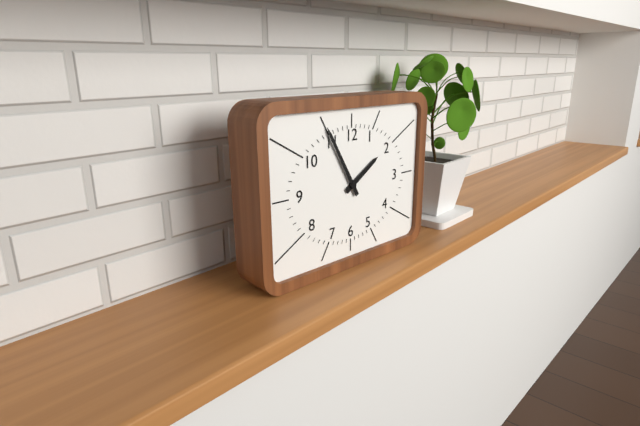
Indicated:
1,55
